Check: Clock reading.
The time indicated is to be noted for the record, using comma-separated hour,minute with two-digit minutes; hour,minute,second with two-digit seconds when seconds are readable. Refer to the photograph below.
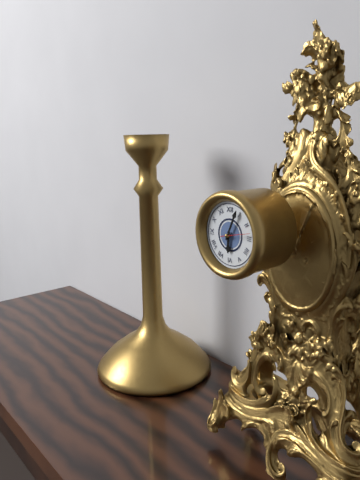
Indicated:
6,04
